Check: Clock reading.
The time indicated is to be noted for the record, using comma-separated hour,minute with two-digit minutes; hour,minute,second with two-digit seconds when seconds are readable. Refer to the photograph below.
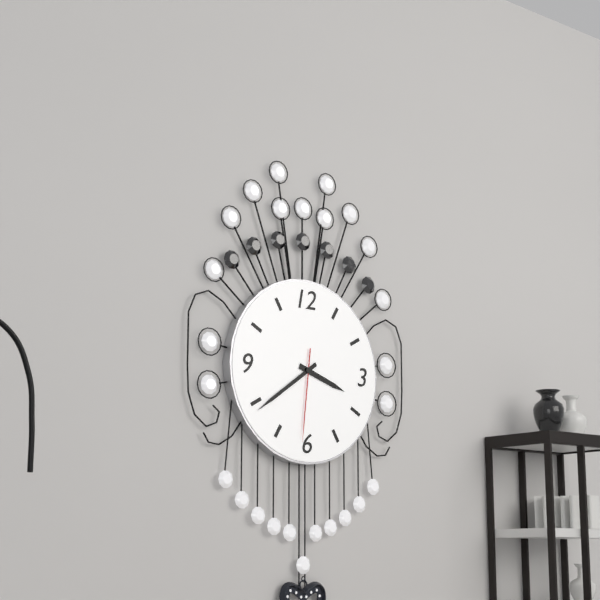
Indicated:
3,39,31
